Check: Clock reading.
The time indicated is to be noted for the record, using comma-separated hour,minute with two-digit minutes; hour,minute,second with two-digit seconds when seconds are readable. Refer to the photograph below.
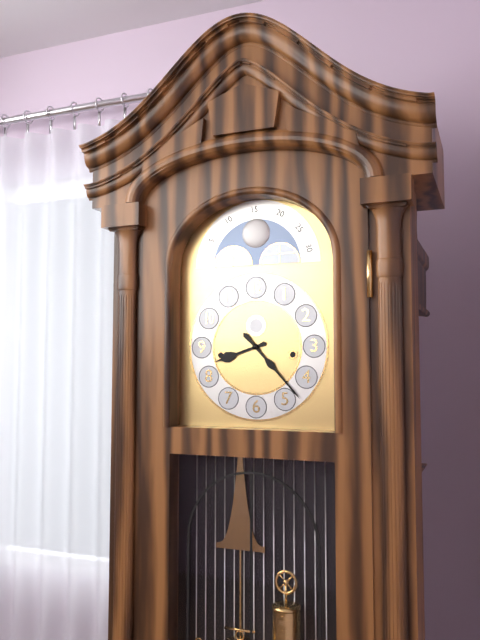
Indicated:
8,23
